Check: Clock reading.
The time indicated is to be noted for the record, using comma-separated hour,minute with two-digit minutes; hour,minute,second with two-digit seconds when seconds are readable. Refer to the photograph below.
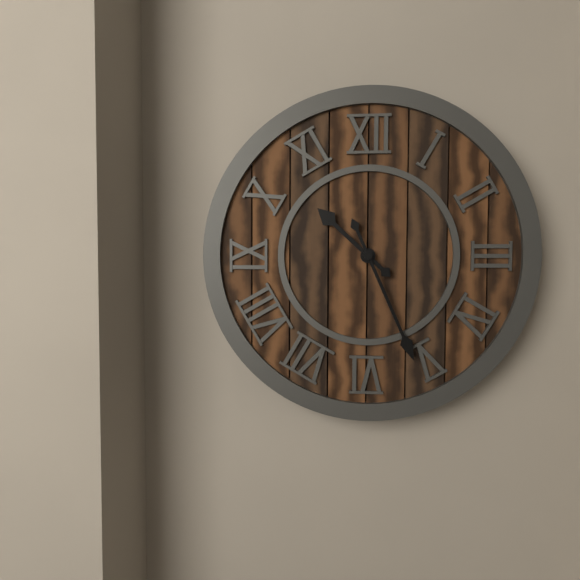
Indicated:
10,26
